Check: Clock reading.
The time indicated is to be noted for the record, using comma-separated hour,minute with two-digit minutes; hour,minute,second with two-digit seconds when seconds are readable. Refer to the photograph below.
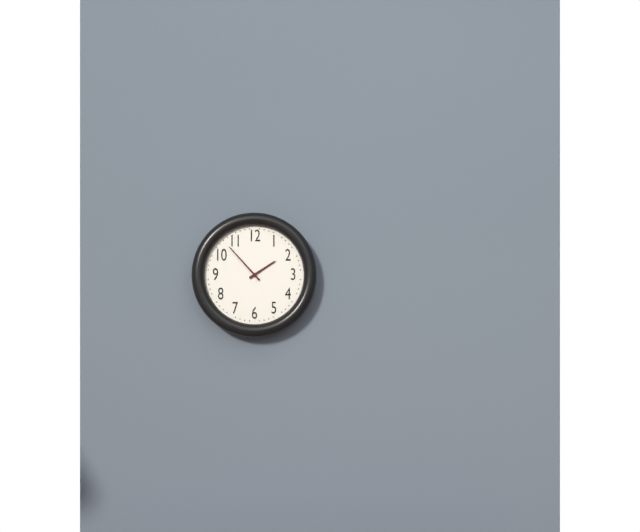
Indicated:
1,53
